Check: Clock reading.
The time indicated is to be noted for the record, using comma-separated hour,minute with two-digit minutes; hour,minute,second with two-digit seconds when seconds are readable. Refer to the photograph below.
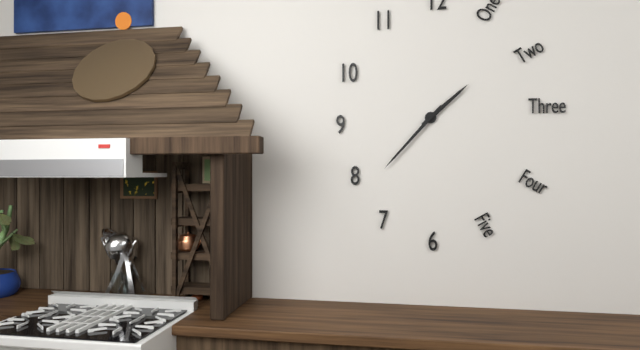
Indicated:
1,37
